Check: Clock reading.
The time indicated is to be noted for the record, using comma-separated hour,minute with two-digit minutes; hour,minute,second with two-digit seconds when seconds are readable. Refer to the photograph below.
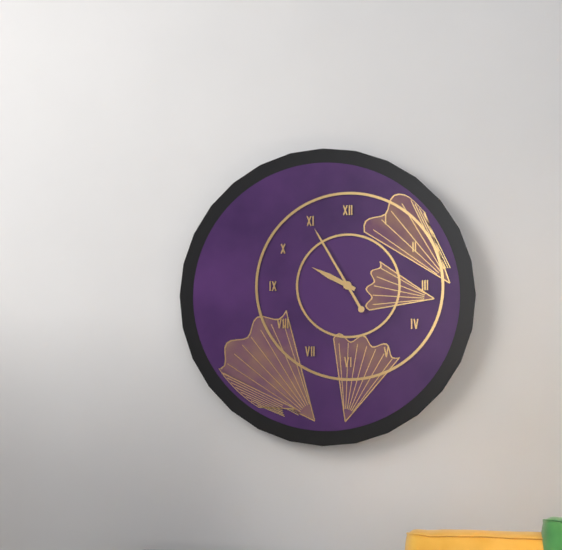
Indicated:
9,55
